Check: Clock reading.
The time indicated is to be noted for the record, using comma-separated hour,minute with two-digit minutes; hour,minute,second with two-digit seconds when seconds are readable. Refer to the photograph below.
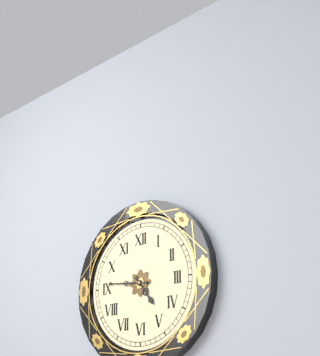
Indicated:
4,46
